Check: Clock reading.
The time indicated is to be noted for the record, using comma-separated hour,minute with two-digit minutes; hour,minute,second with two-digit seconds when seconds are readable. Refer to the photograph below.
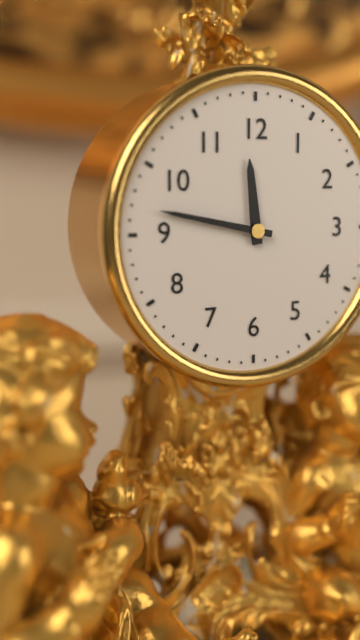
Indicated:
11,47
